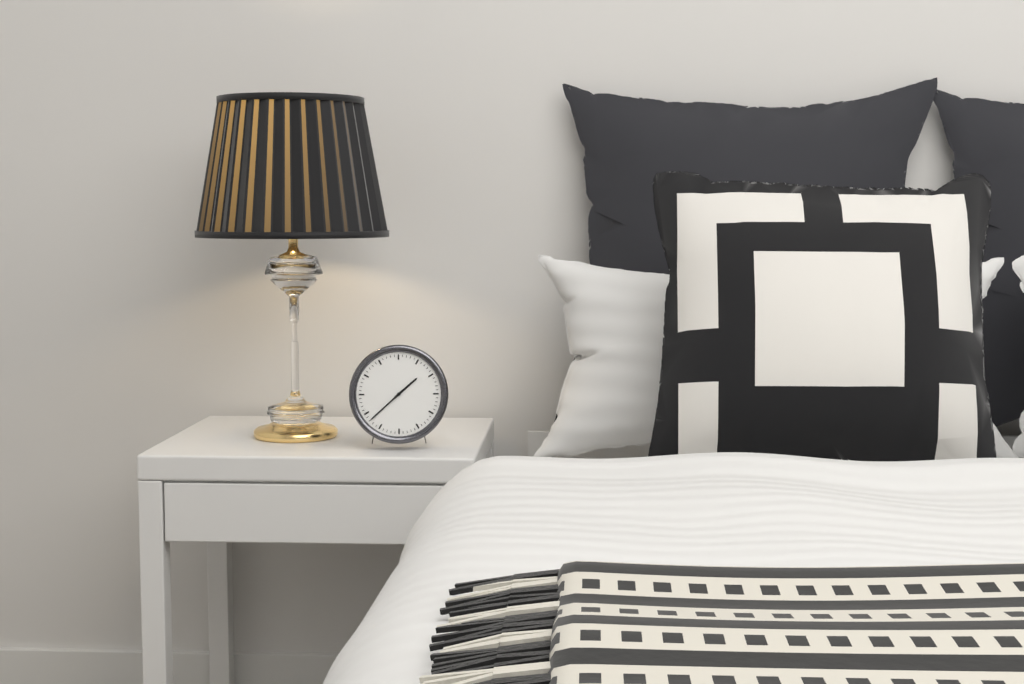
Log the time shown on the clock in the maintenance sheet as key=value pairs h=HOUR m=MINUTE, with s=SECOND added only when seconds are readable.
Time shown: h=1 m=38
